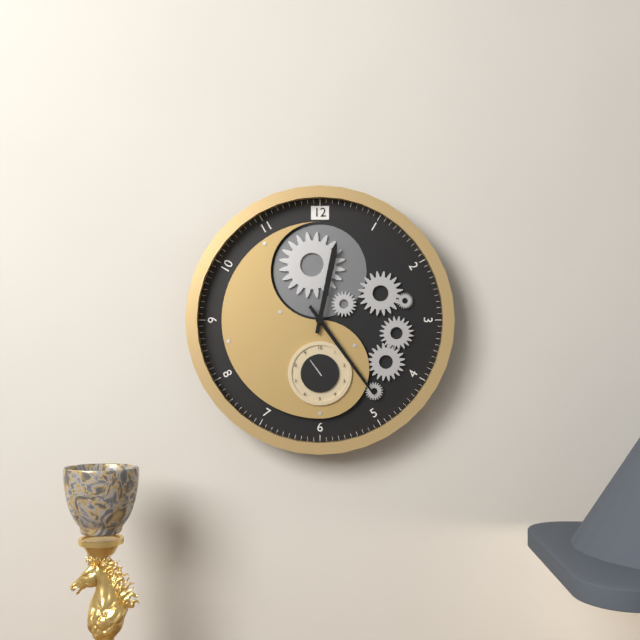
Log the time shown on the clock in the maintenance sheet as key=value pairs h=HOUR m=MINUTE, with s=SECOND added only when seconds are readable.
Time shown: h=12 m=24
